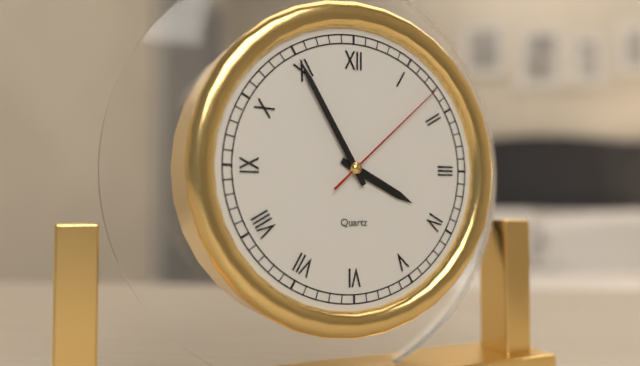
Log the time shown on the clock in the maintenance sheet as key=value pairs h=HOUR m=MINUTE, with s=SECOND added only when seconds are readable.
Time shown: h=3 m=55 s=8
